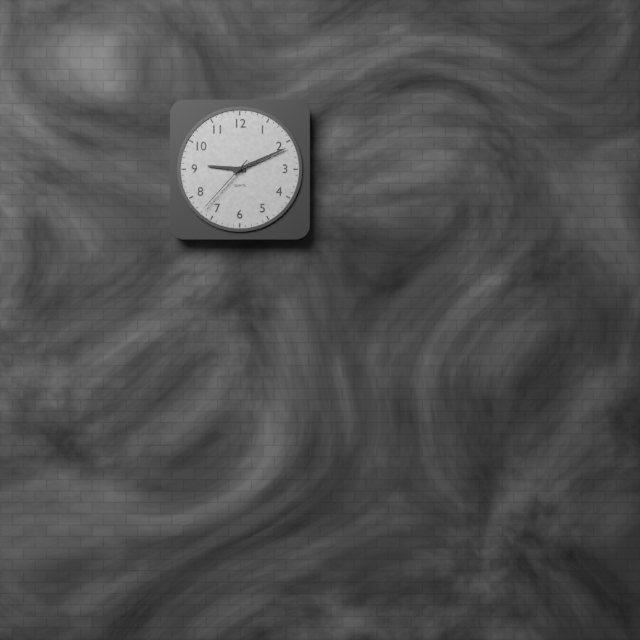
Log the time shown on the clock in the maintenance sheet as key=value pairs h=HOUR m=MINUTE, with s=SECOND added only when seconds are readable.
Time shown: h=9 m=11 s=37
